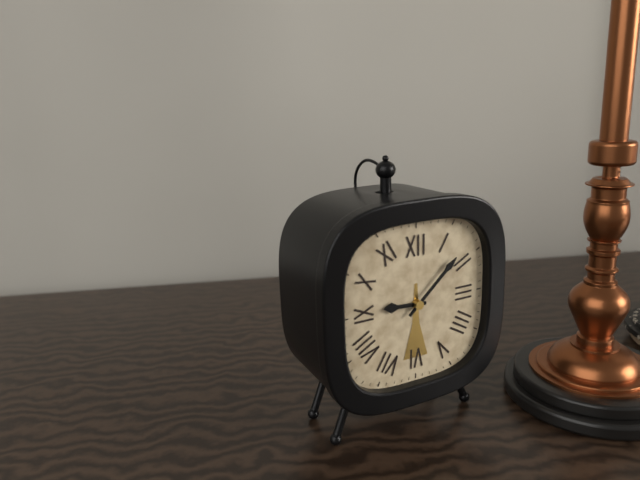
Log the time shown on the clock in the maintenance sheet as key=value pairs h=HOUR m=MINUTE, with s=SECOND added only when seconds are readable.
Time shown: h=9 m=8
